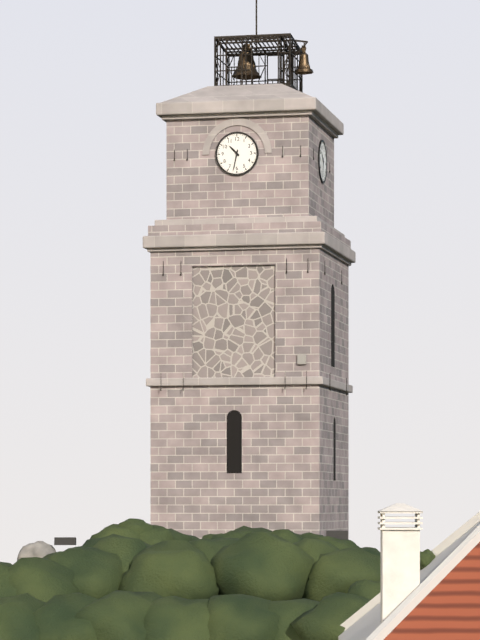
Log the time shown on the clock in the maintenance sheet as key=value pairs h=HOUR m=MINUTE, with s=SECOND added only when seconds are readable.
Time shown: h=10 m=32
